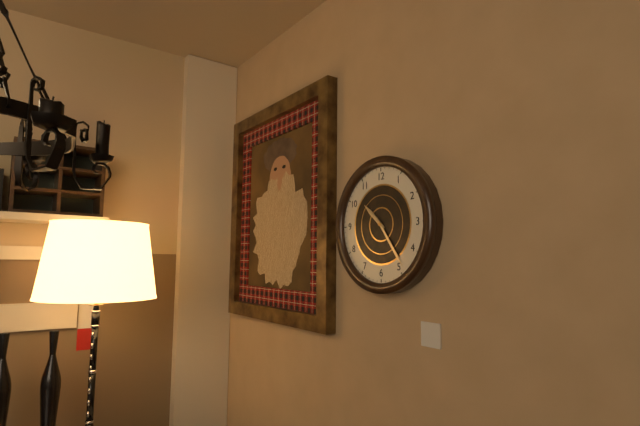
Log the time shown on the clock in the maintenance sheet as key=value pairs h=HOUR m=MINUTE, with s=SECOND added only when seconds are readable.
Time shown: h=10 m=24
